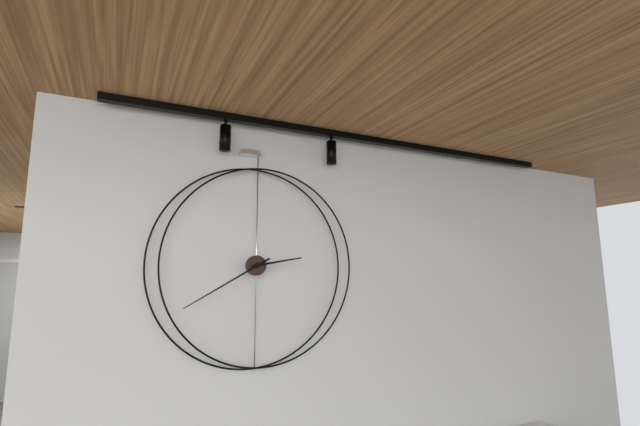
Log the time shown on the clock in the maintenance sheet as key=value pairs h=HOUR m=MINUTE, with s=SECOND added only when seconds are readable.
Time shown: h=2 m=40
